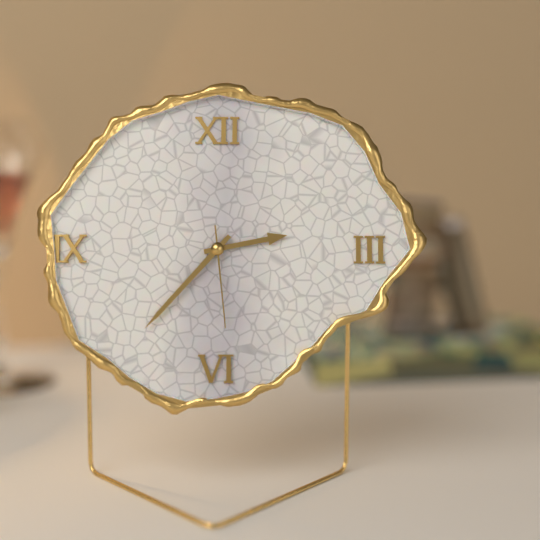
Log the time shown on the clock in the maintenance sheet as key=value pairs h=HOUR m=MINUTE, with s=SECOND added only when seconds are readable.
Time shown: h=2 m=37 s=29
